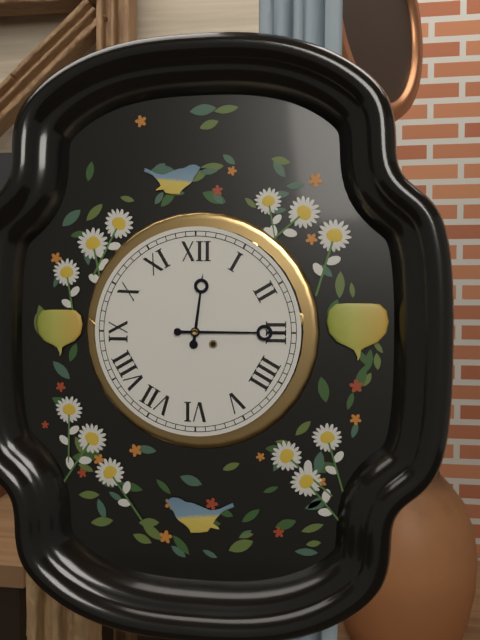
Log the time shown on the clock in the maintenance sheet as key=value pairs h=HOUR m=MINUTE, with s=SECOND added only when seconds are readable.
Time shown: h=12 m=15
